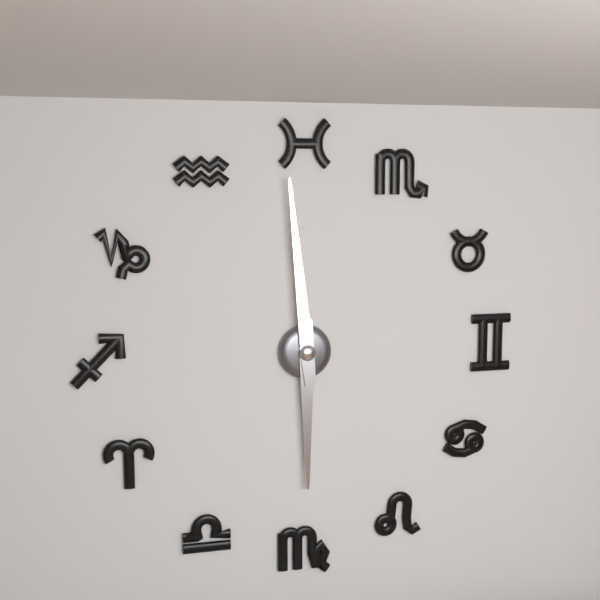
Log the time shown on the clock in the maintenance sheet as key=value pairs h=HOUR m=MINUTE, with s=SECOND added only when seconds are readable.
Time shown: h=5 m=59
